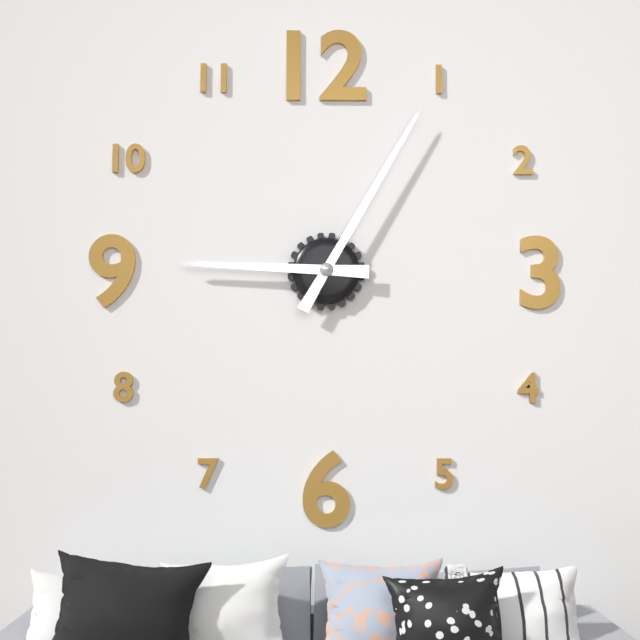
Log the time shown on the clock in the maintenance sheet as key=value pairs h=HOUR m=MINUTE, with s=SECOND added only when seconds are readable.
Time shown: h=9 m=5
